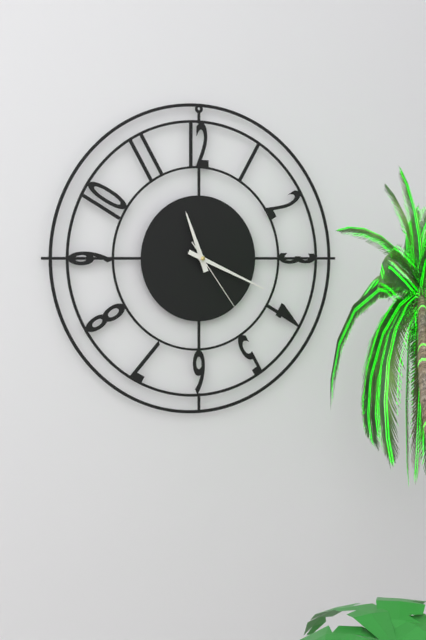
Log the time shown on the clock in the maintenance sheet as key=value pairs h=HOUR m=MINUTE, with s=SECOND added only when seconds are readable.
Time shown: h=11 m=19 s=24
